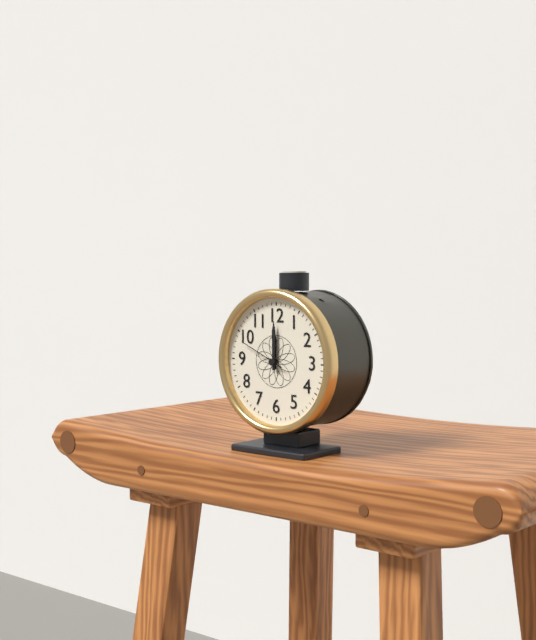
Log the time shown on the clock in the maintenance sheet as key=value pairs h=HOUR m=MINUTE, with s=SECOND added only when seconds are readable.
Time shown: h=12 m=0
